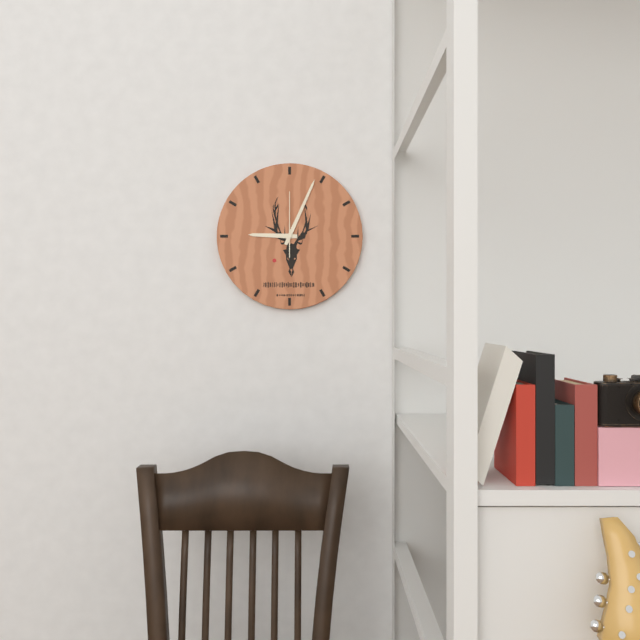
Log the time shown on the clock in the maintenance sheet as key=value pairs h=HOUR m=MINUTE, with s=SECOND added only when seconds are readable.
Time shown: h=9 m=4 s=0
